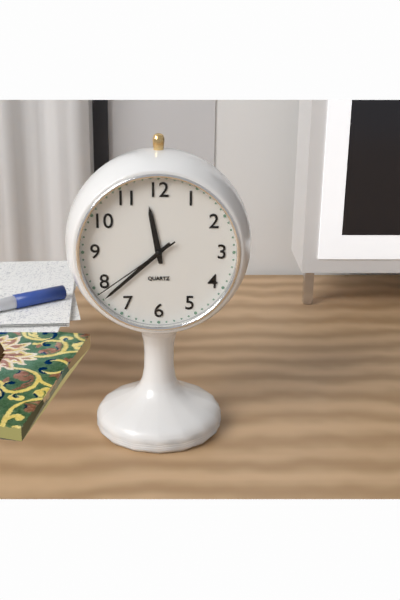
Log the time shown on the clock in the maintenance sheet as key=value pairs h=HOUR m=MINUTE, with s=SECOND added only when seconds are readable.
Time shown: h=11 m=38 s=39
